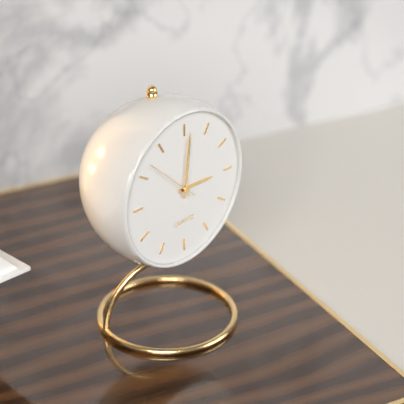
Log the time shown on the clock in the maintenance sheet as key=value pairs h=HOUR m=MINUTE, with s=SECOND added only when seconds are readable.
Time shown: h=3 m=1 s=52
